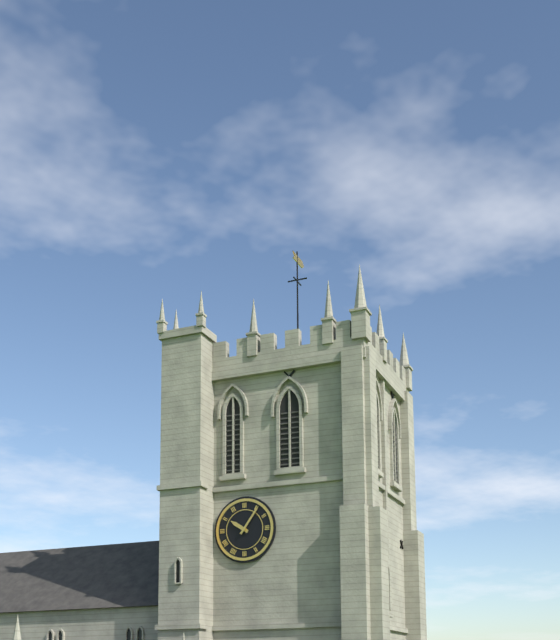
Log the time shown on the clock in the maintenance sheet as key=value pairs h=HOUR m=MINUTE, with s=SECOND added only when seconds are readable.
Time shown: h=10 m=6
